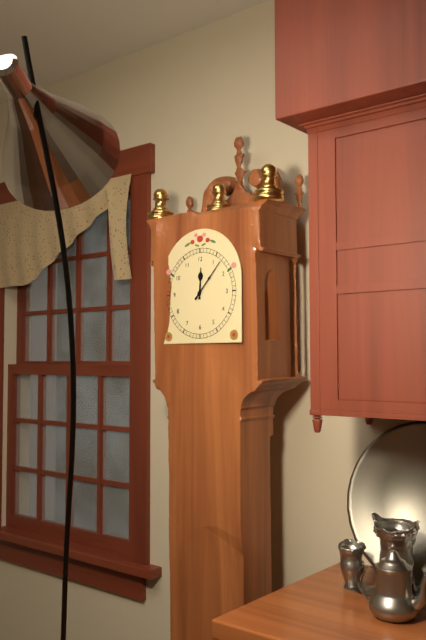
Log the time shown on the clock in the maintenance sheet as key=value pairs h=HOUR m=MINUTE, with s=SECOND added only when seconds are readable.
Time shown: h=12 m=7
